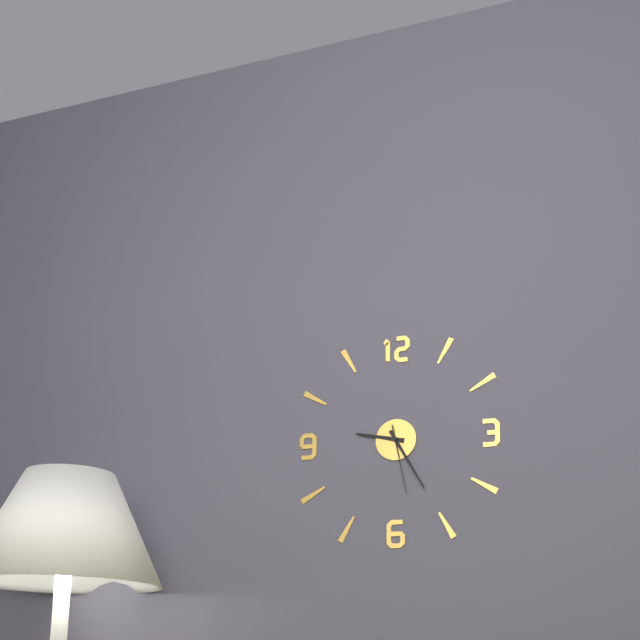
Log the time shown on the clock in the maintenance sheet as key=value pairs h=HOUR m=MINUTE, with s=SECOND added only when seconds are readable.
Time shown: h=9 m=25 s=28
